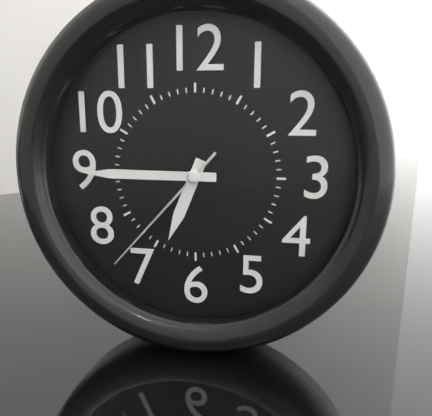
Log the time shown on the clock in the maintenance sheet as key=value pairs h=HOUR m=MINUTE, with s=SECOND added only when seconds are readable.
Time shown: h=6 m=45 s=37
